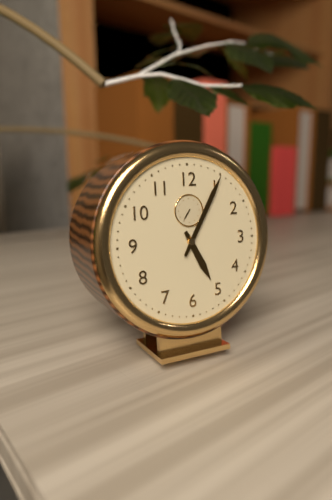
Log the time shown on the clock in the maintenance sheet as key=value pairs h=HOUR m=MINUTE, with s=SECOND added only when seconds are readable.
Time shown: h=5 m=5
